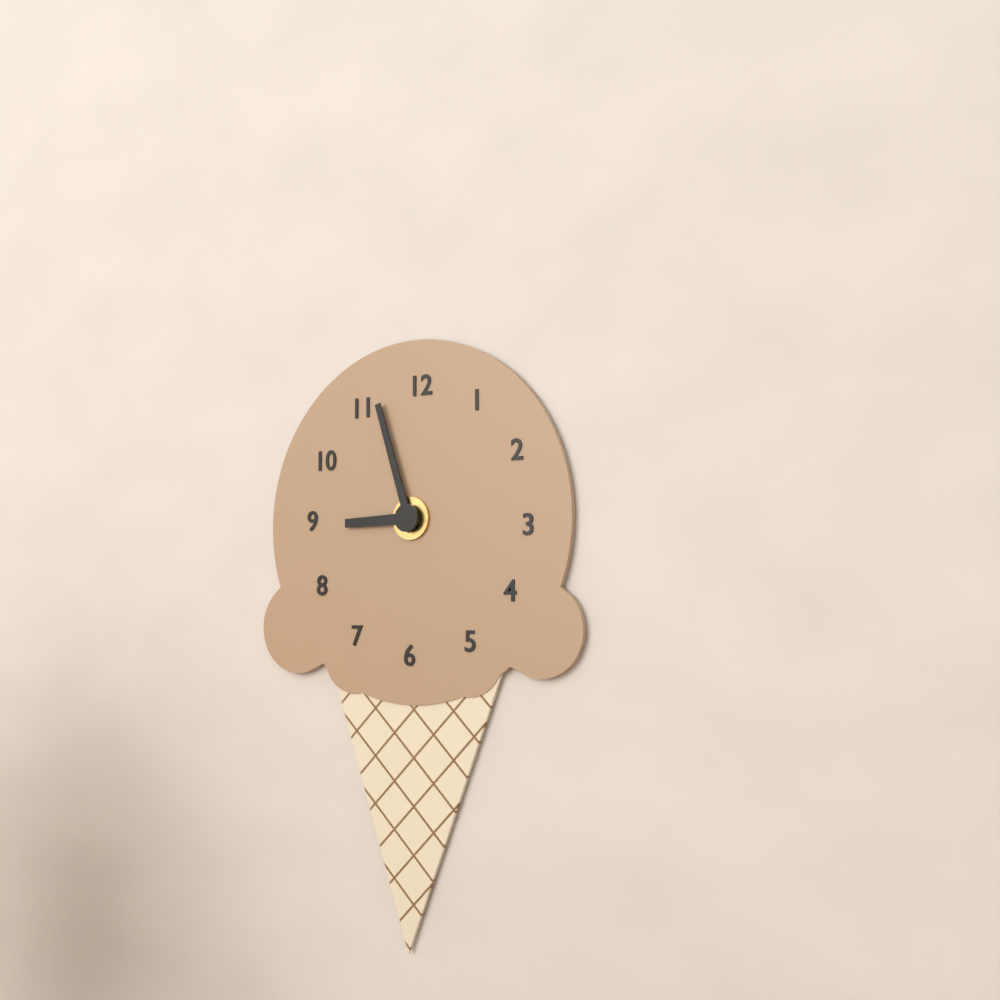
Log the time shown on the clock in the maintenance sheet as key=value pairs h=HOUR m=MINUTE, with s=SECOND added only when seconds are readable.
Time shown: h=8 m=57
